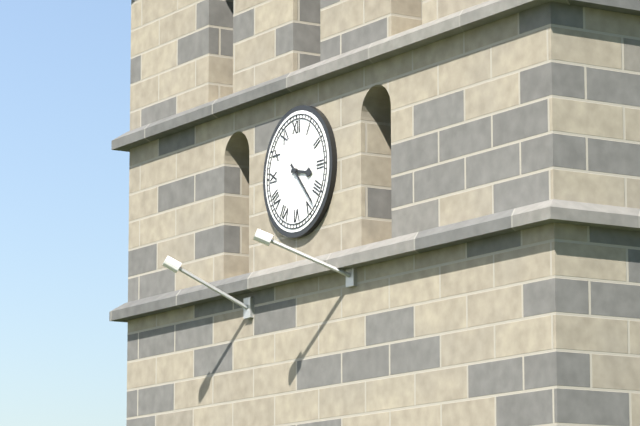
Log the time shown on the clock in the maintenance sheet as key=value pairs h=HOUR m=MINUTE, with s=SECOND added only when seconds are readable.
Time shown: h=3 m=23
